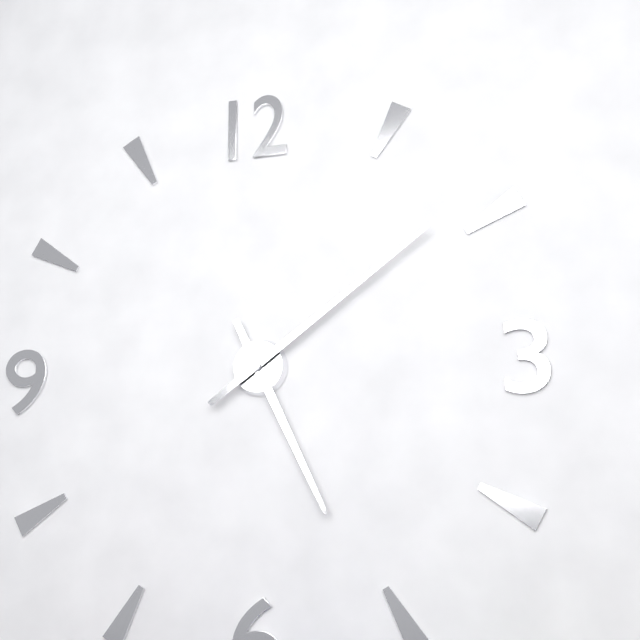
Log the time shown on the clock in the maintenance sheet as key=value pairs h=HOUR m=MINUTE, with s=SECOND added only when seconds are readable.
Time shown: h=5 m=9
